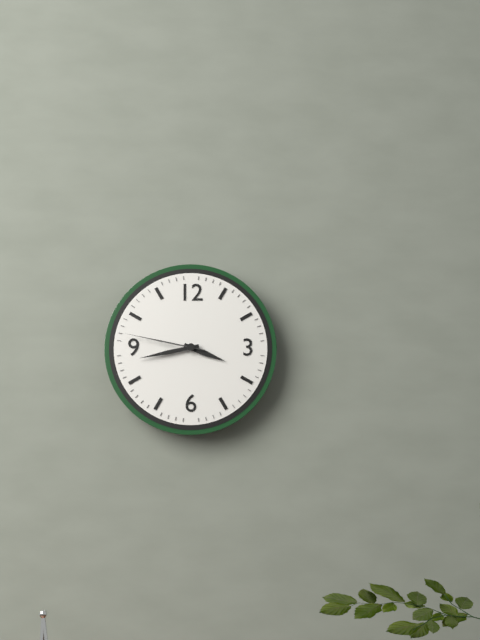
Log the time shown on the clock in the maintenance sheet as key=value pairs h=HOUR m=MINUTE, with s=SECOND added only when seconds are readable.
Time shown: h=3 m=43 s=47
